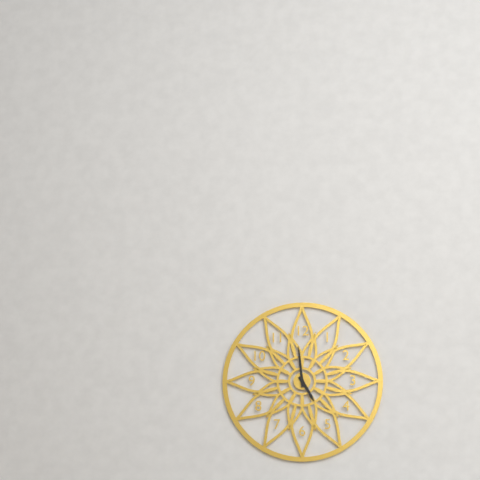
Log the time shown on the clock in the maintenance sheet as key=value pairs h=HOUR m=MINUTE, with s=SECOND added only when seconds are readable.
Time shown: h=4 m=59
